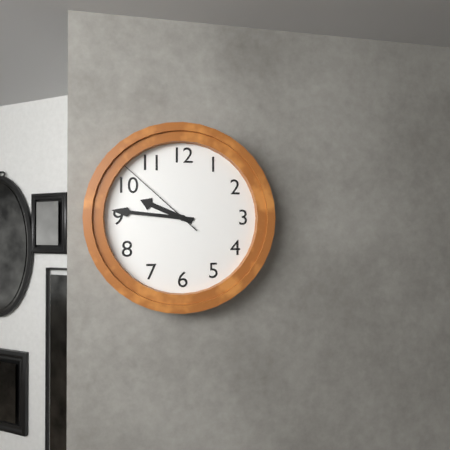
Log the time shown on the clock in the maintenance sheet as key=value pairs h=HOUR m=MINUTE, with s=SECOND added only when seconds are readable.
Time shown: h=9 m=46 s=52
